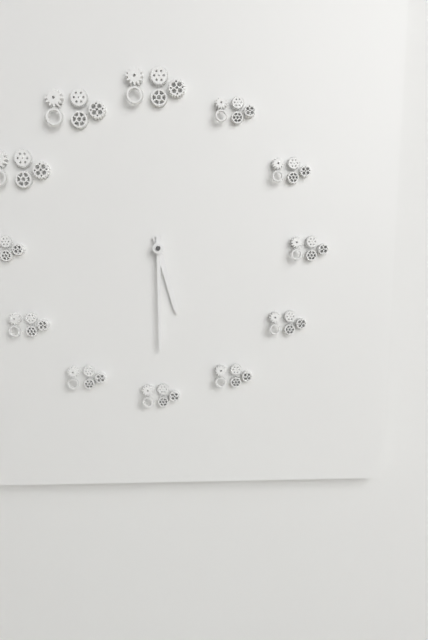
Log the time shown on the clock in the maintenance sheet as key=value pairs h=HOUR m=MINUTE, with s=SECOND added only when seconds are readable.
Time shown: h=5 m=30
